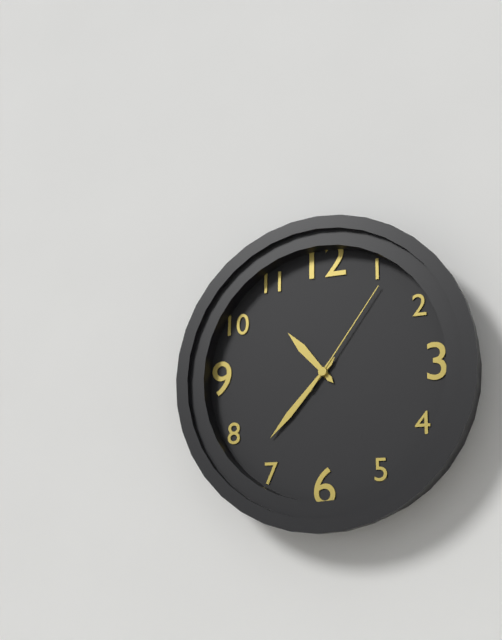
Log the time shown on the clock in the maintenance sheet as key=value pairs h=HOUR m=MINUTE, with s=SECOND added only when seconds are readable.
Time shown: h=10 m=37 s=6
